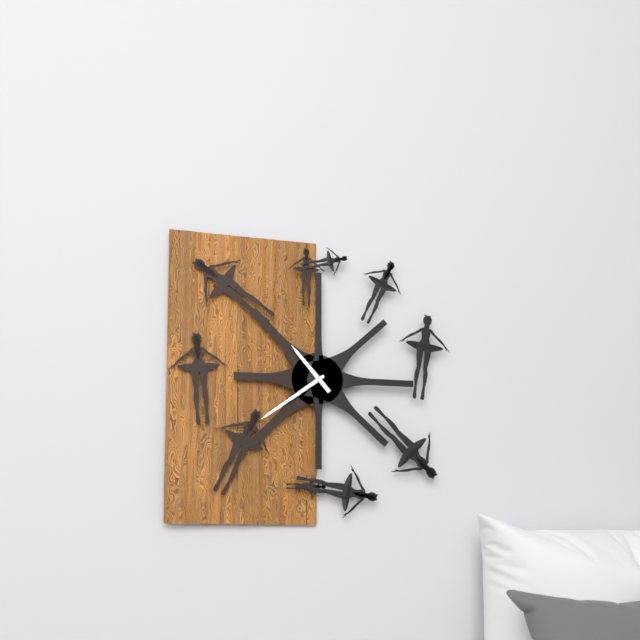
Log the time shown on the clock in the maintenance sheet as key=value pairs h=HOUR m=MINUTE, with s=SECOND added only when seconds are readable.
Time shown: h=10 m=39
